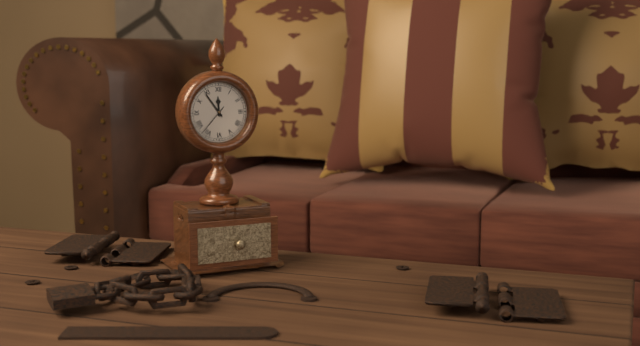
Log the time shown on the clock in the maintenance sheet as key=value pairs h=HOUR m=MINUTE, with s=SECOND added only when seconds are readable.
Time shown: h=11 m=54
